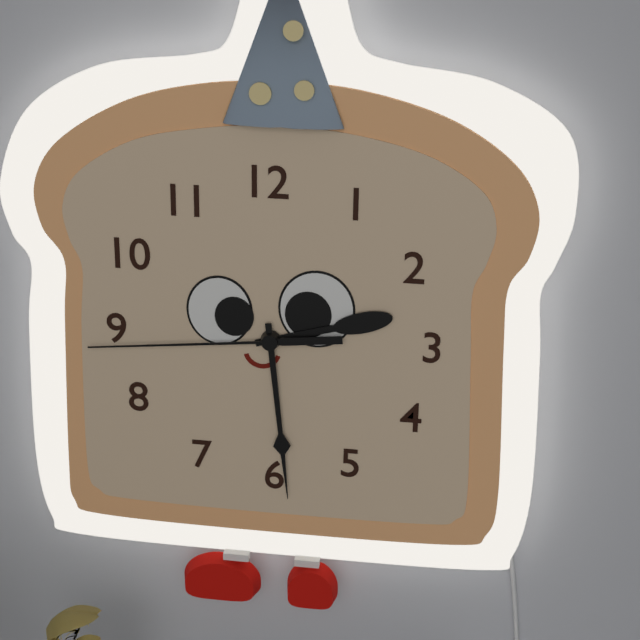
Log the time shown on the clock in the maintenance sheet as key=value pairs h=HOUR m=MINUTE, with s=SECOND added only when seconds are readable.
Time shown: h=2 m=29 s=44
